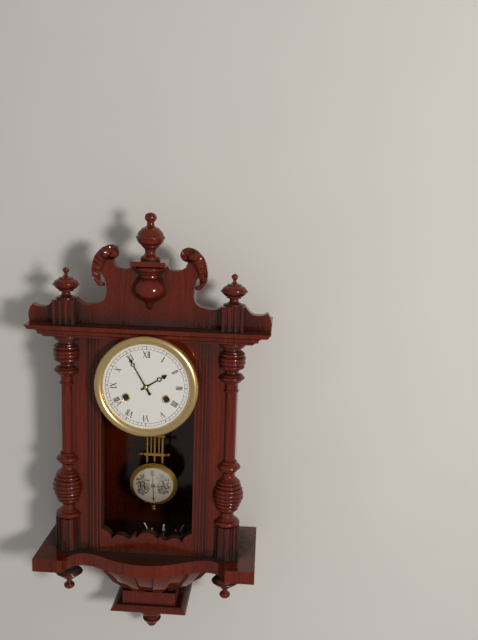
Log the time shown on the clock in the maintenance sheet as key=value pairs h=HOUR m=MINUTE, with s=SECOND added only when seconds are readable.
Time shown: h=1 m=55
